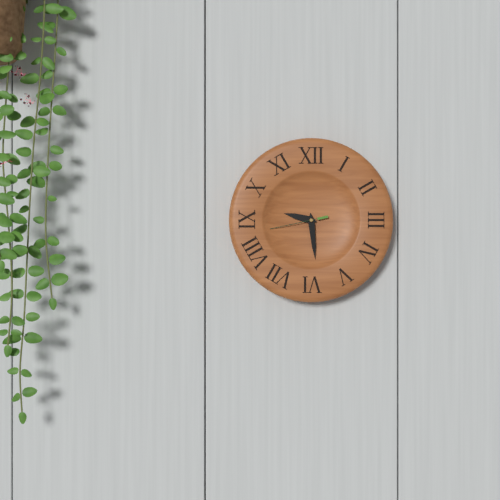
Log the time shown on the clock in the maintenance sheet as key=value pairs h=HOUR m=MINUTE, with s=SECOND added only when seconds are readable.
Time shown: h=9 m=29 s=43
